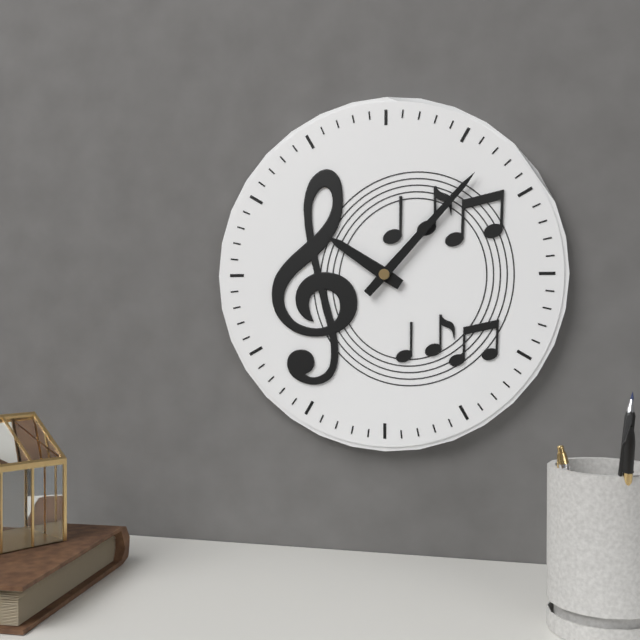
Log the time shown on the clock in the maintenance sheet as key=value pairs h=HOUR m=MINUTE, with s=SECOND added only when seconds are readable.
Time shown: h=10 m=7
